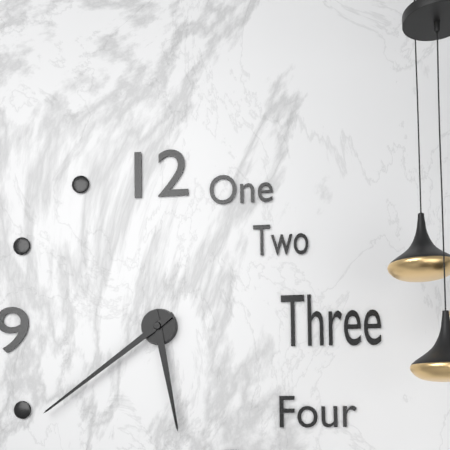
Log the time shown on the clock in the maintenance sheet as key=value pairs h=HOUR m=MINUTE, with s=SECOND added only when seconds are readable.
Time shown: h=5 m=39
